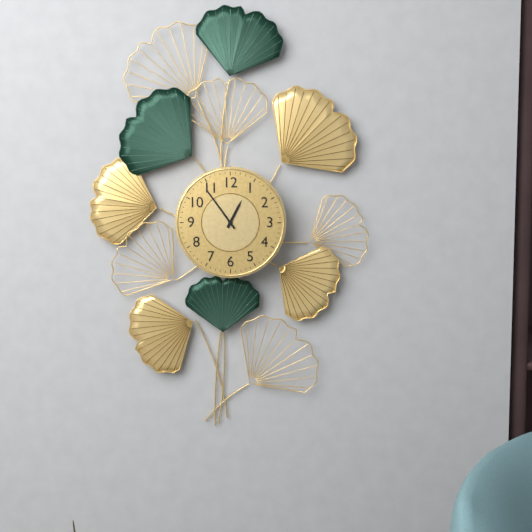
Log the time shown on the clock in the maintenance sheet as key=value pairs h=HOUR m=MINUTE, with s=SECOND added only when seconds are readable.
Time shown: h=12 m=54
